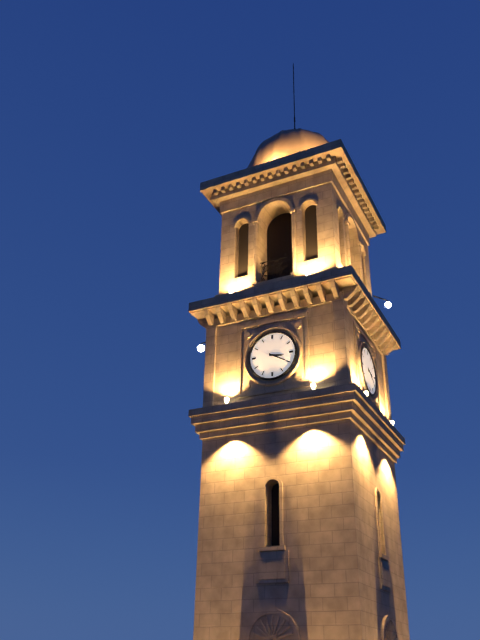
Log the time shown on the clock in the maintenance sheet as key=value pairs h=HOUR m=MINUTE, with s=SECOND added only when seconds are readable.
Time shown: h=3 m=20
